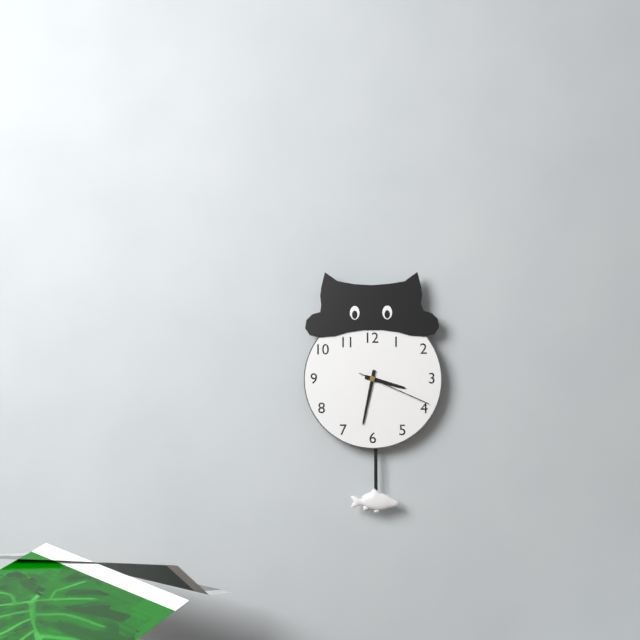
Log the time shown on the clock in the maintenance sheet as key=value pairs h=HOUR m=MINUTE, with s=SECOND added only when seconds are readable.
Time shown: h=3 m=32 s=19
